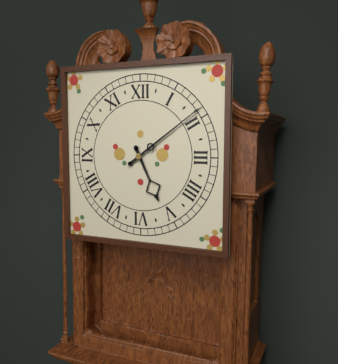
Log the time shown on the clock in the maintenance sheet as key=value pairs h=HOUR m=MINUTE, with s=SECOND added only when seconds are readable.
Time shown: h=5 m=9
